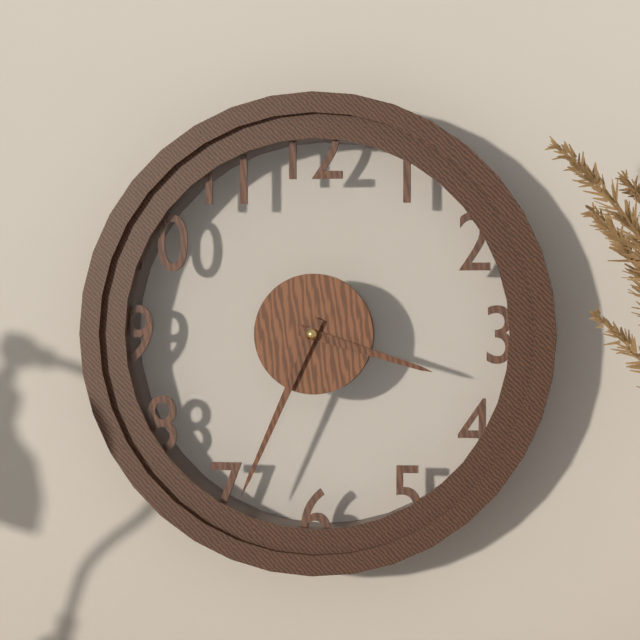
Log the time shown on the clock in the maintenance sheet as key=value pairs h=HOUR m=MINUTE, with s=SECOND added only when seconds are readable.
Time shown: h=3 m=34
